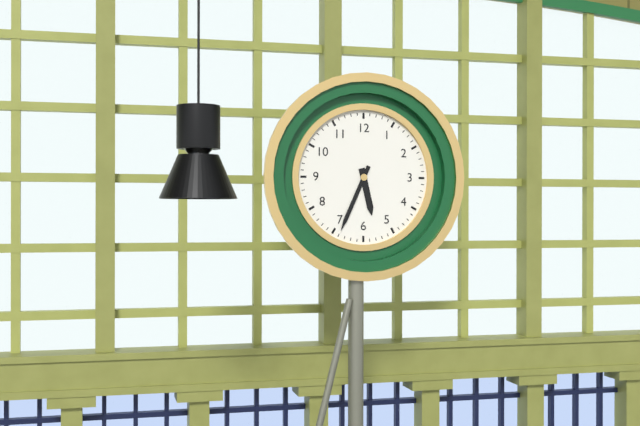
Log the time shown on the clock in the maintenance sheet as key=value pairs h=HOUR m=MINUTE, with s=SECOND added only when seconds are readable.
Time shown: h=5 m=34
